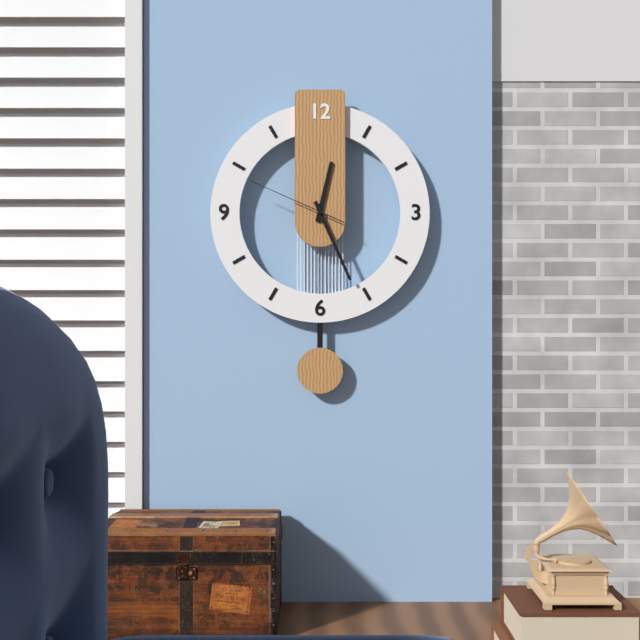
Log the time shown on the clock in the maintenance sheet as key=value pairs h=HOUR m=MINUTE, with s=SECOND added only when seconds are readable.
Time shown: h=12 m=26 s=49
